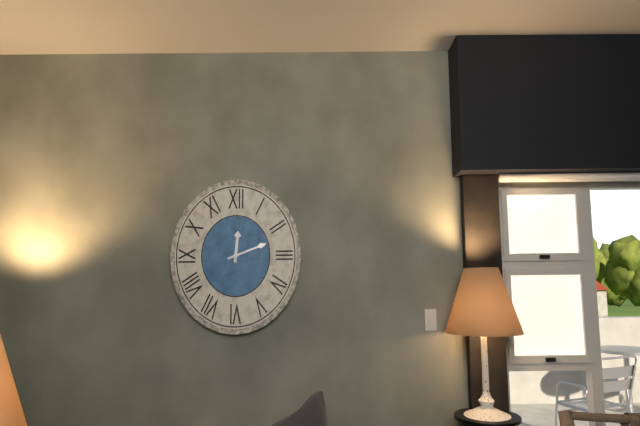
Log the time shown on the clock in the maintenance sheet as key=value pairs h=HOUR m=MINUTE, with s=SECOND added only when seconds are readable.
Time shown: h=12 m=12
